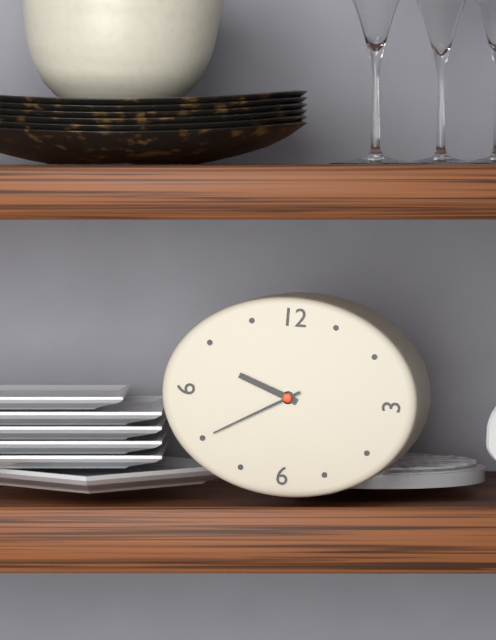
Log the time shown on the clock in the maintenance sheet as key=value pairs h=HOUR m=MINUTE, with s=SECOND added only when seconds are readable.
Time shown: h=9 m=40
